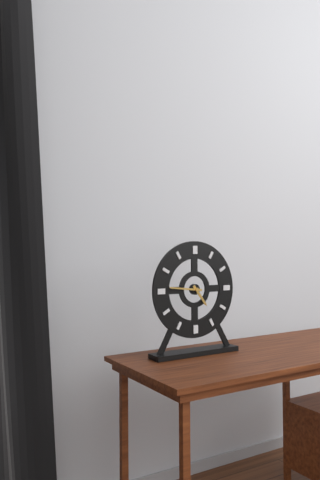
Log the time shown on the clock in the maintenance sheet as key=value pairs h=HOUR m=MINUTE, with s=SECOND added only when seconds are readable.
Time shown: h=4 m=46
